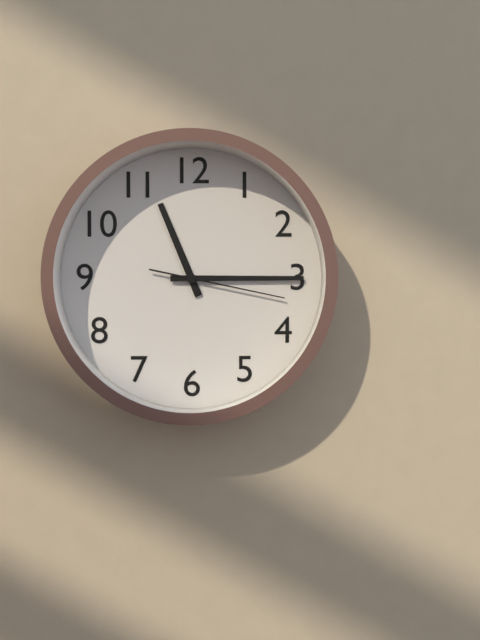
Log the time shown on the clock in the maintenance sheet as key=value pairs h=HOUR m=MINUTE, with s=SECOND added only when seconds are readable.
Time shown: h=11 m=15 s=17
